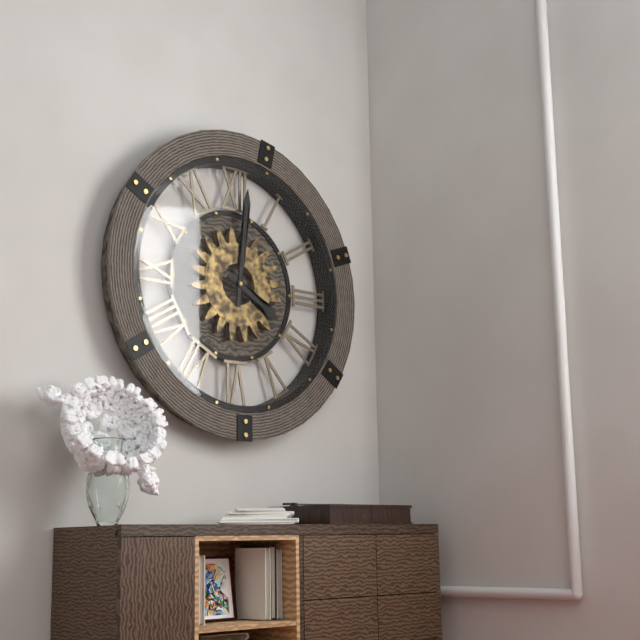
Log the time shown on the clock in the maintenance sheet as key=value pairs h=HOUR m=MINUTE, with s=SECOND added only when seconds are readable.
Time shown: h=4 m=1
